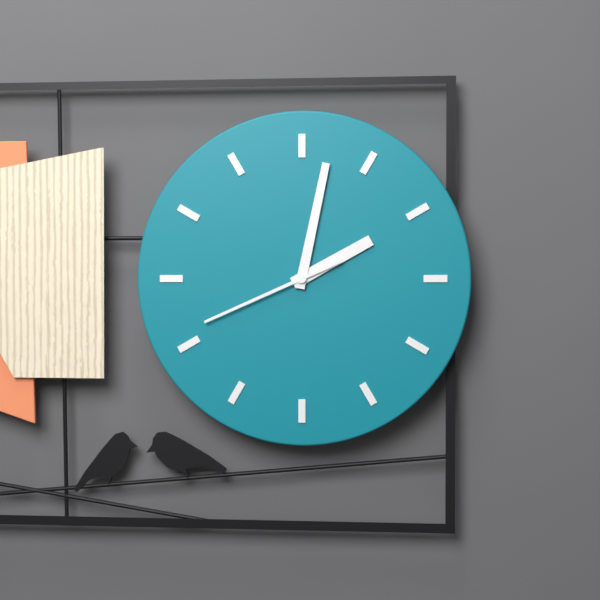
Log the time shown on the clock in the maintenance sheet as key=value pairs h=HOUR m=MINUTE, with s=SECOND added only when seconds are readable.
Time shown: h=2 m=2 s=41
